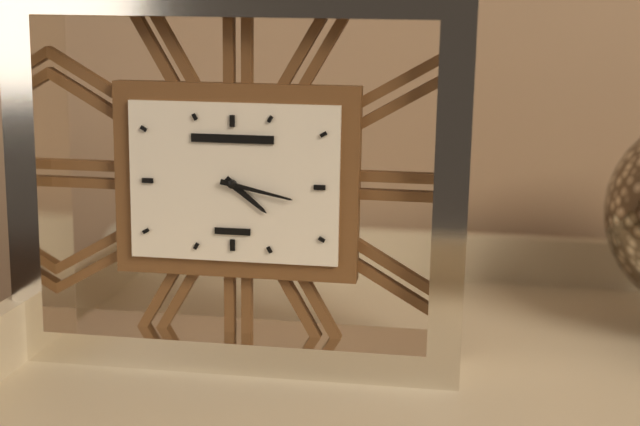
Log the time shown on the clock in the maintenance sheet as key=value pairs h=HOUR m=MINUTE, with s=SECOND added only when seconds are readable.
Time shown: h=4 m=17
